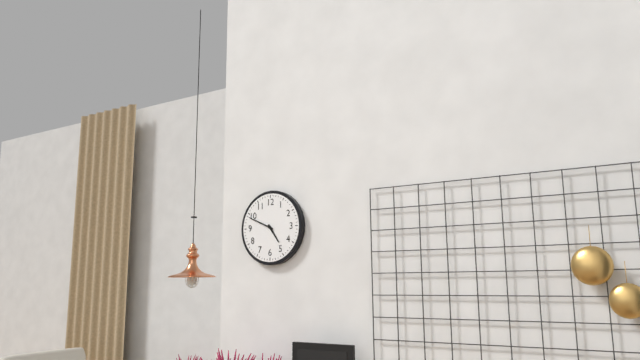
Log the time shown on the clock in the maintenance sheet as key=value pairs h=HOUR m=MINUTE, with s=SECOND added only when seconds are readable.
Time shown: h=4 m=49
